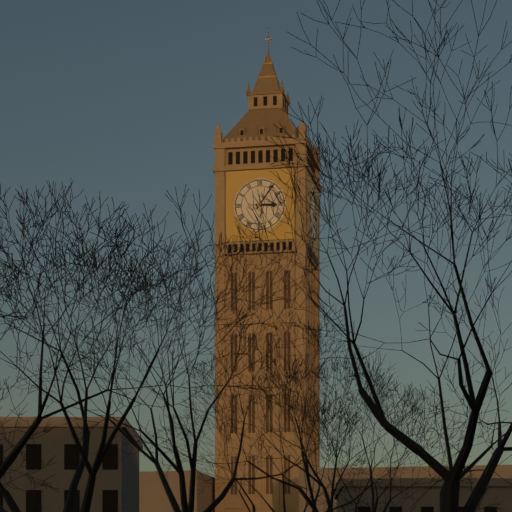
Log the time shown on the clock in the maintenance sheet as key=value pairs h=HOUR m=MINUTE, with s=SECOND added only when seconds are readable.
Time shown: h=3 m=6
